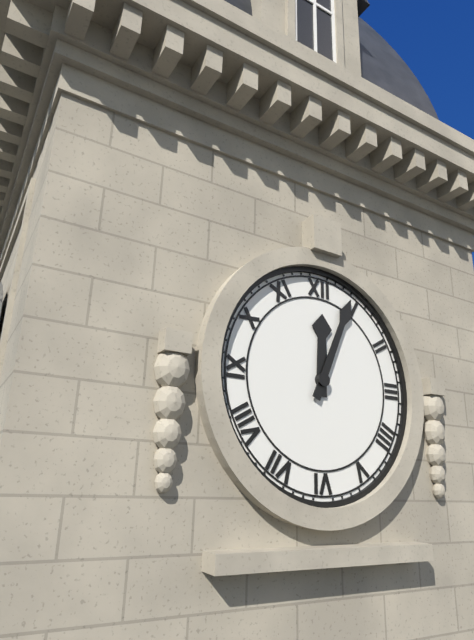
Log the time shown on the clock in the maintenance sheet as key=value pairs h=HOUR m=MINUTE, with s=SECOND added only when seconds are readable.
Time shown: h=12 m=4
